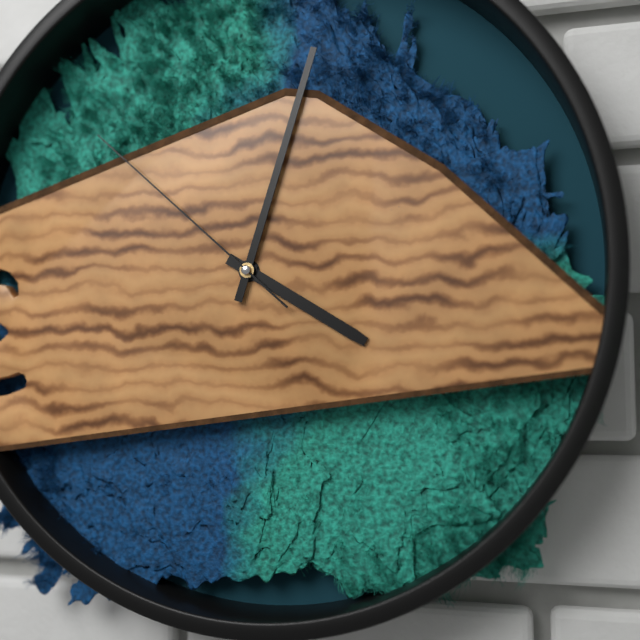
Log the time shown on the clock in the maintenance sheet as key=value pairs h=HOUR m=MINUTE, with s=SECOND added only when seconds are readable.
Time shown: h=4 m=3 s=52
